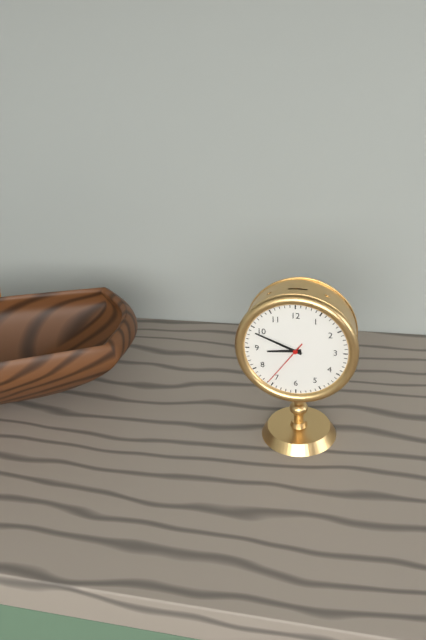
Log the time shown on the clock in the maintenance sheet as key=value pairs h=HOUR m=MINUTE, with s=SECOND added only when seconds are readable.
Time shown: h=8 m=49 s=36
